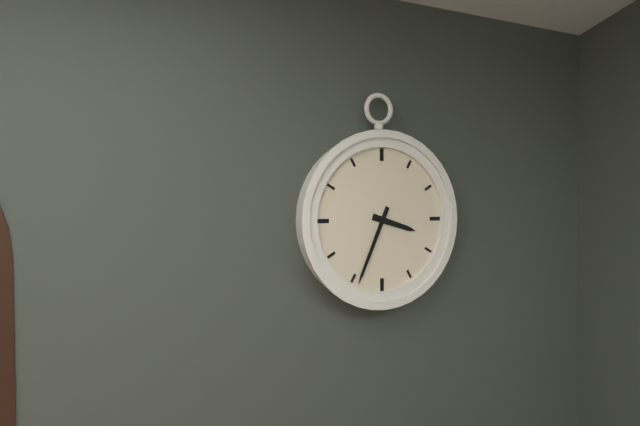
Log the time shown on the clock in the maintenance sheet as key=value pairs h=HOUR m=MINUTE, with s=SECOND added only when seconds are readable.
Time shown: h=3 m=34
